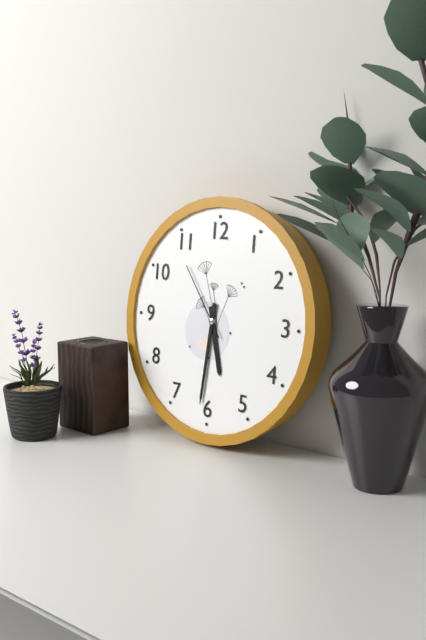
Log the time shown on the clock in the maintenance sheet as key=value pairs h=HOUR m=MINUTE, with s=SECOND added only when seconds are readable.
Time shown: h=5 m=31 s=54
